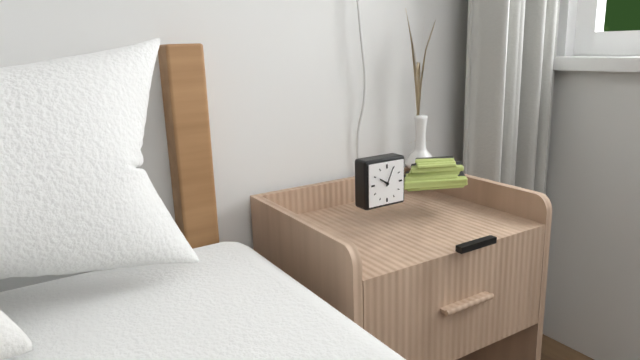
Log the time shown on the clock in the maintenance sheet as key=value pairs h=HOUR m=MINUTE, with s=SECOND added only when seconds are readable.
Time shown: h=10 m=4
